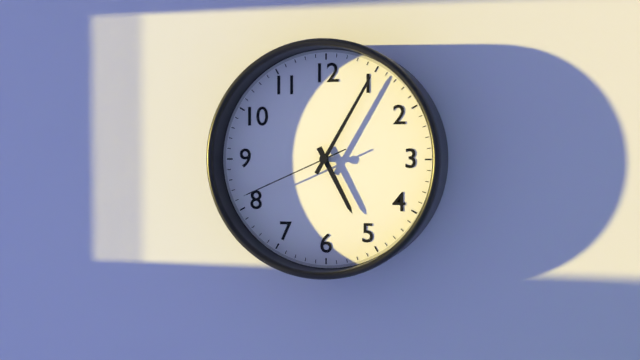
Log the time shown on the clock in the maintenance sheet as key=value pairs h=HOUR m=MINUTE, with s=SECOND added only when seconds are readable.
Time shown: h=5 m=5 s=41
